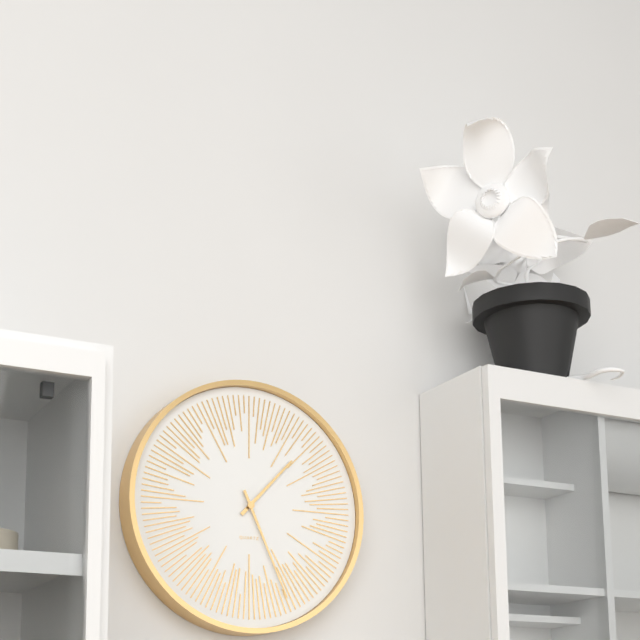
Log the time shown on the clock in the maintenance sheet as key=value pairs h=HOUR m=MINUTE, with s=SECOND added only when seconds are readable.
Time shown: h=1 m=26
